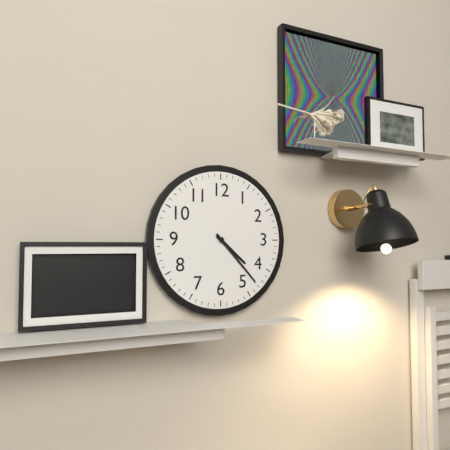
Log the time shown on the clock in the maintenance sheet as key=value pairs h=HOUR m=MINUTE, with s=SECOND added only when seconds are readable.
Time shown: h=4 m=23
